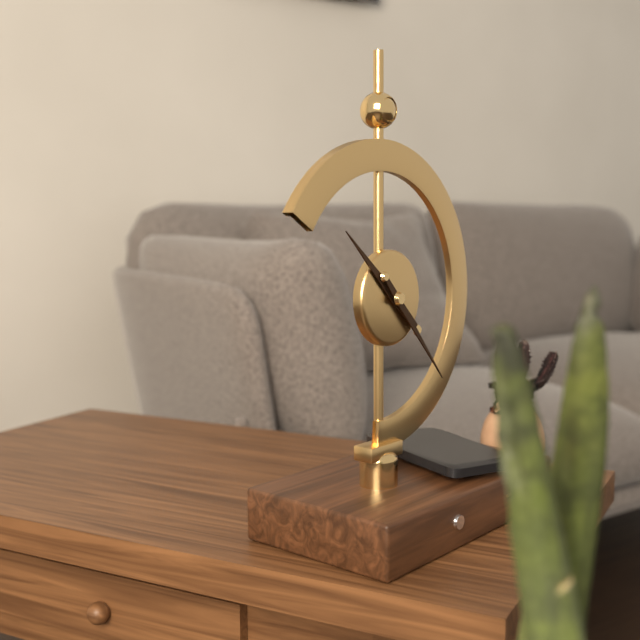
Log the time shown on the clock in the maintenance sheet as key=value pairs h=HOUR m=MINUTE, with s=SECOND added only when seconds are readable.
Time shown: h=10 m=23
